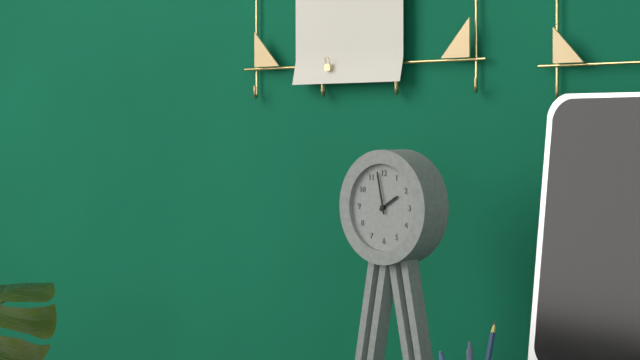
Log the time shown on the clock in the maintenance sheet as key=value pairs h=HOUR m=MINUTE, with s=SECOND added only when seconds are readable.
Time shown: h=1 m=58
